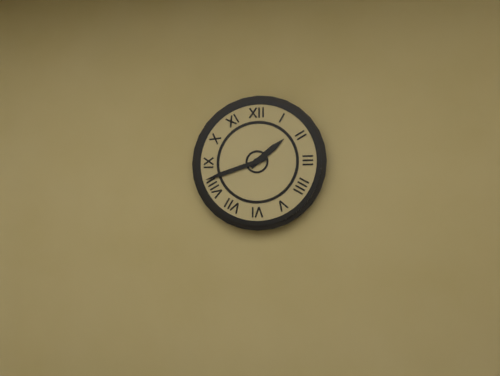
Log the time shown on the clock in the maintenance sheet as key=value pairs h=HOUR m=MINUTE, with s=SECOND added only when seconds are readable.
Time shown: h=1 m=42
